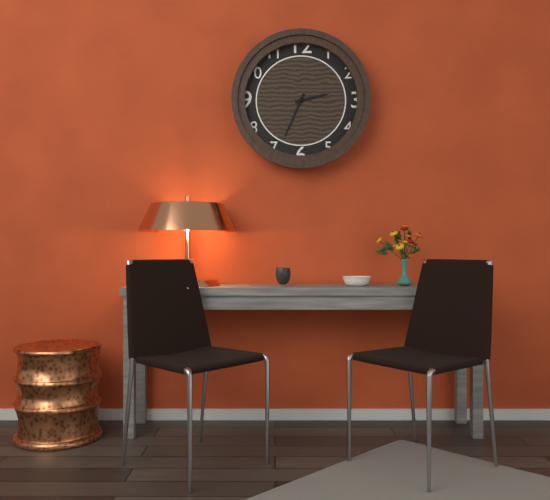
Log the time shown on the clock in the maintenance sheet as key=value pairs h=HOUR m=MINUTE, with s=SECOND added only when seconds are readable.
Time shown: h=2 m=34
